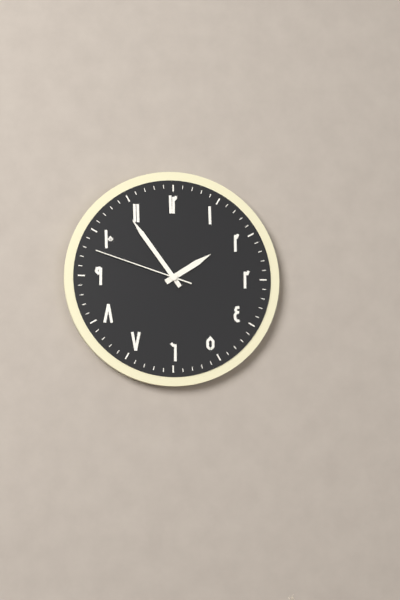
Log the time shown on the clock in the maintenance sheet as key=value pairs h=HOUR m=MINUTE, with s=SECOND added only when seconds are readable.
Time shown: h=1 m=54 s=48
